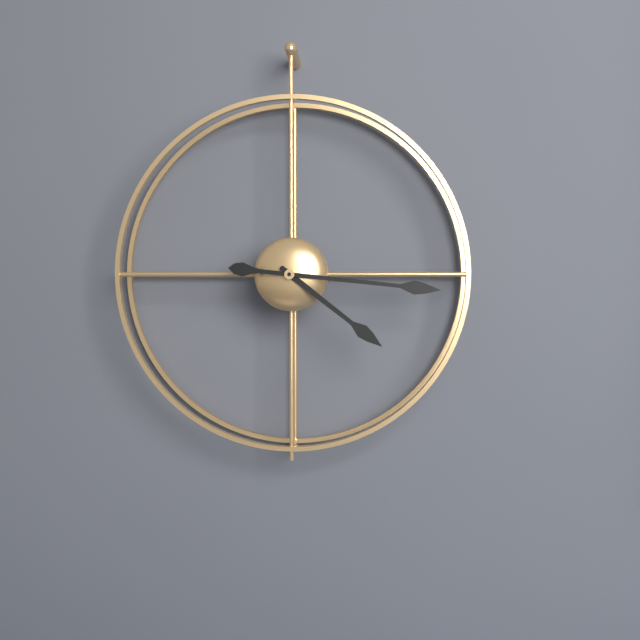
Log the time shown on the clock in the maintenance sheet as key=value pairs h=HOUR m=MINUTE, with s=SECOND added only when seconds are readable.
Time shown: h=4 m=16
